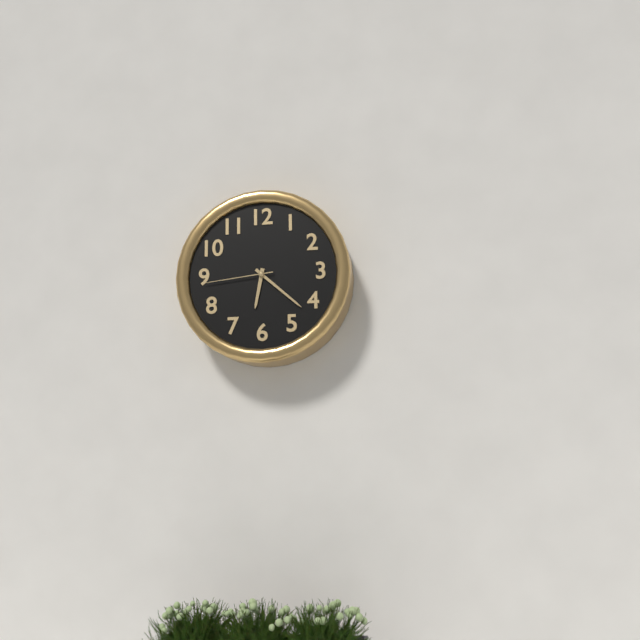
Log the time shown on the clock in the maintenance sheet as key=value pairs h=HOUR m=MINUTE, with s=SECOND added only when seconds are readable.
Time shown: h=6 m=22 s=44
